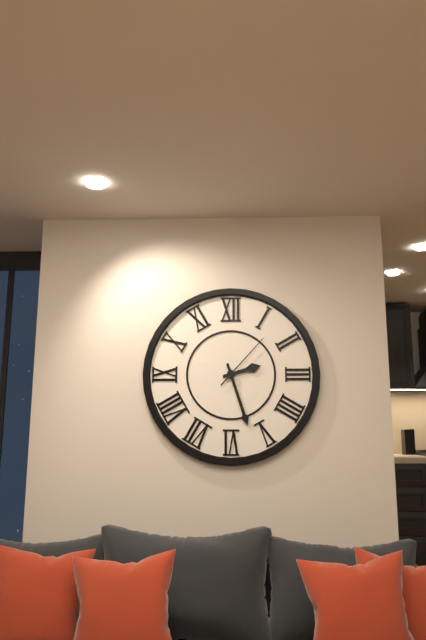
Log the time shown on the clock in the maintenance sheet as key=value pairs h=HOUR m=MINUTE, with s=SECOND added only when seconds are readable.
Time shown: h=2 m=27 s=7
